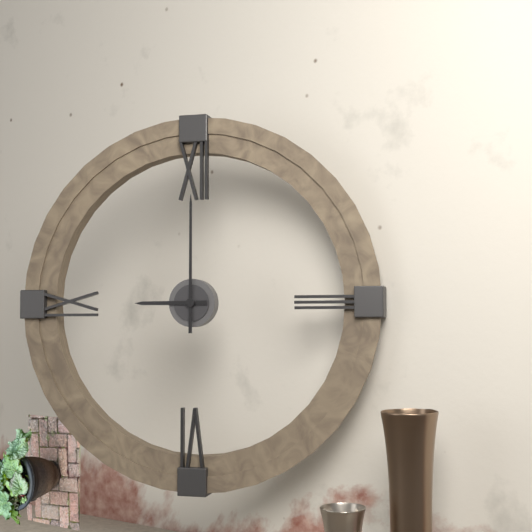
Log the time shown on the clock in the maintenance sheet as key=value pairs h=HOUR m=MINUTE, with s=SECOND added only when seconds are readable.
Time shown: h=9 m=0
